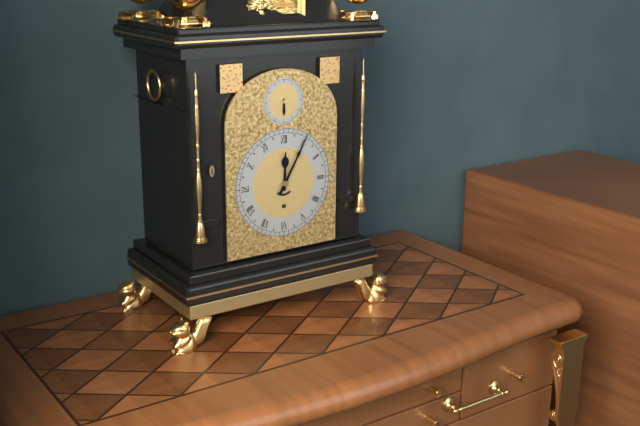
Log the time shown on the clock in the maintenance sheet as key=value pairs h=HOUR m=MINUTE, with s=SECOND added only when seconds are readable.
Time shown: h=12 m=5
